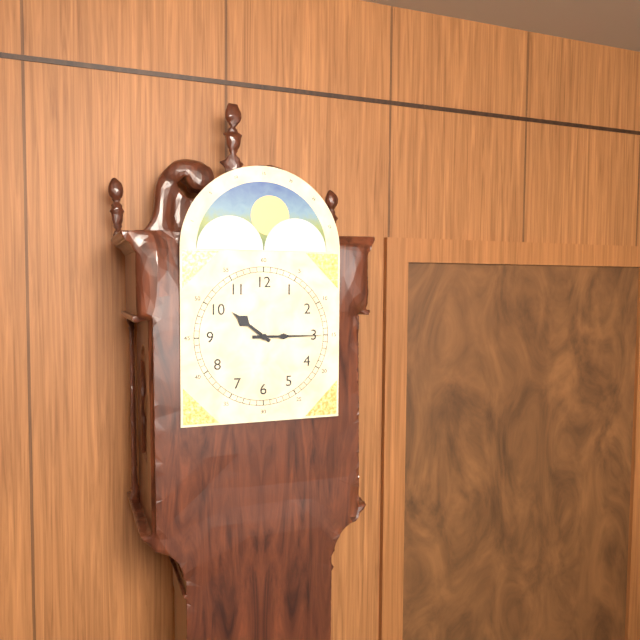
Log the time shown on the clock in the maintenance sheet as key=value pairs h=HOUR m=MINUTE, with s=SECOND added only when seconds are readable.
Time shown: h=10 m=15
